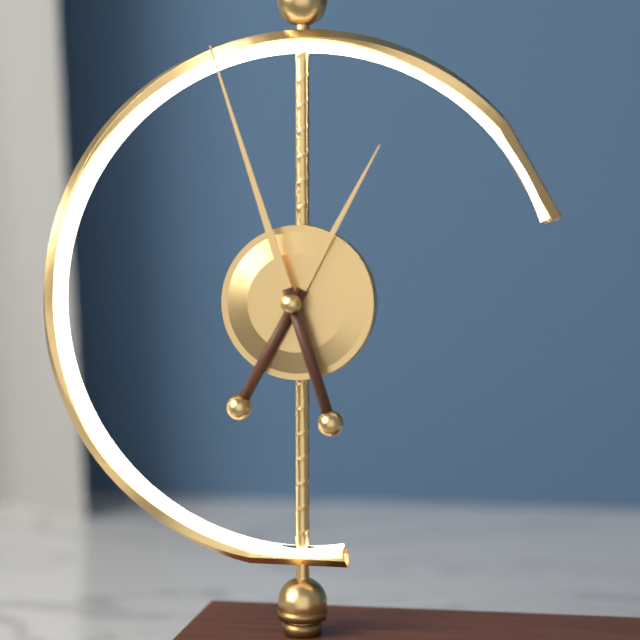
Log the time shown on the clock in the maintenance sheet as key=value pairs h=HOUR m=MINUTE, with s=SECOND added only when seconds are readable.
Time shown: h=12 m=57
